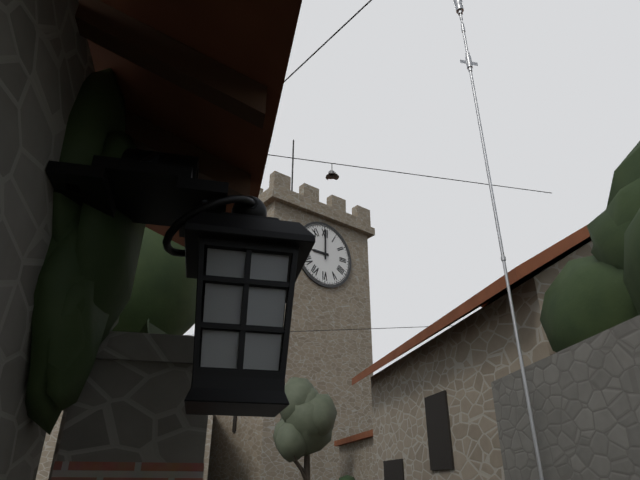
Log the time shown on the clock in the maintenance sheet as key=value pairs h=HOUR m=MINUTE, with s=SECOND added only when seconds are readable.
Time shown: h=9 m=0
